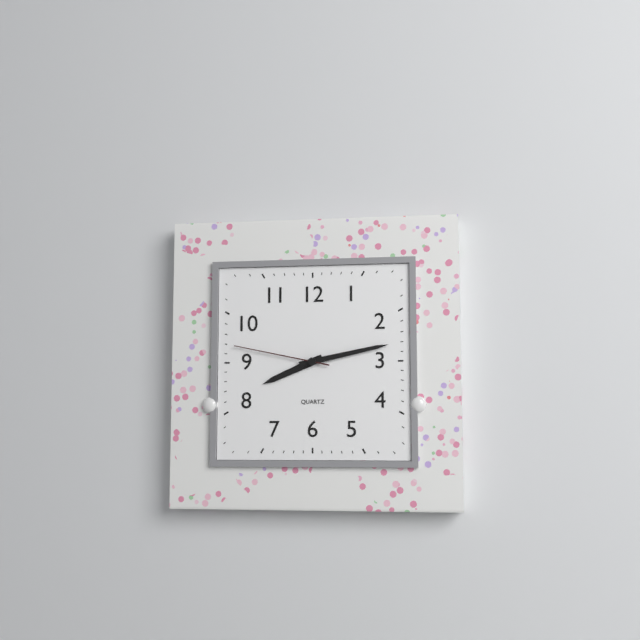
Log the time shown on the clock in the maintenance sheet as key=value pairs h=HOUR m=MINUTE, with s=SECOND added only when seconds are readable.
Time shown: h=8 m=13 s=47
